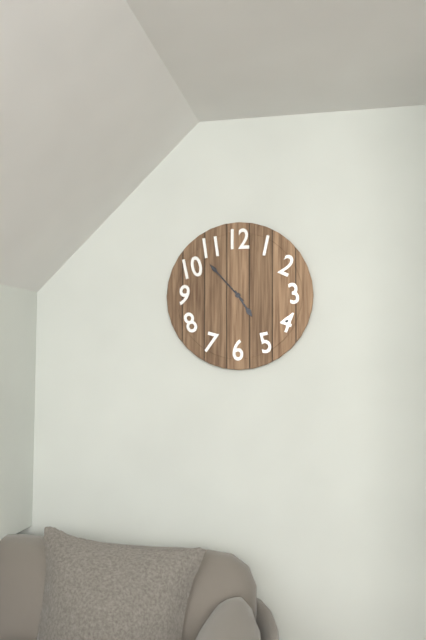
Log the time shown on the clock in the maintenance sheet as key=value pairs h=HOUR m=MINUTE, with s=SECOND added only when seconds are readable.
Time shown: h=4 m=53
